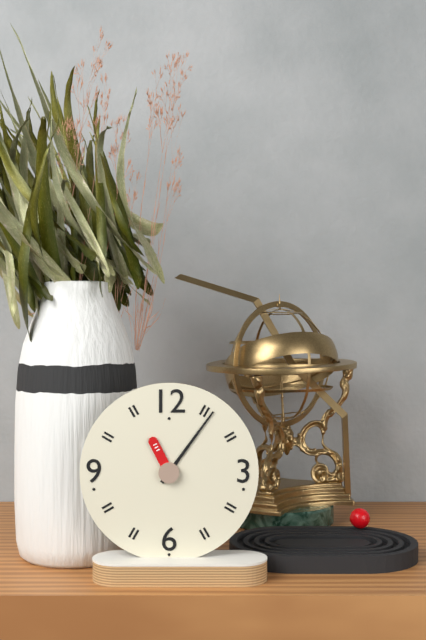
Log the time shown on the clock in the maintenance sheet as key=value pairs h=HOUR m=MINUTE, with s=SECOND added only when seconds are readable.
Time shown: h=11 m=6
